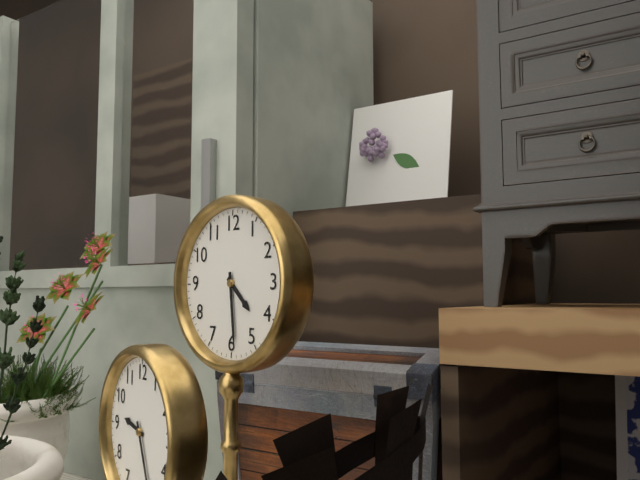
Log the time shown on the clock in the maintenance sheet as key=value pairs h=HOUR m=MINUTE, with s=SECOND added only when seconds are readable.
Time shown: h=4 m=29
